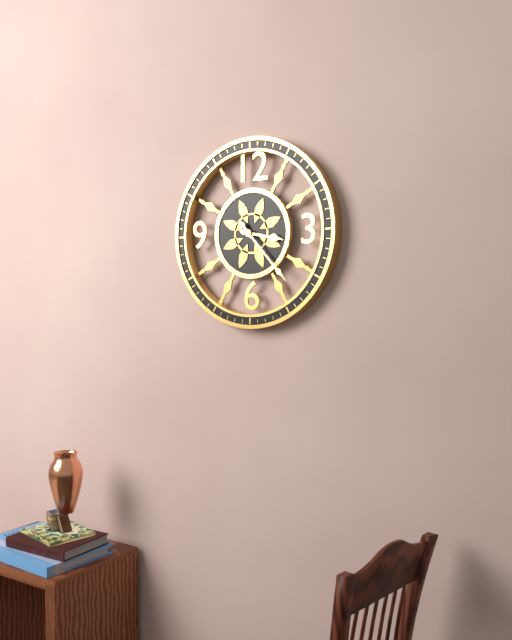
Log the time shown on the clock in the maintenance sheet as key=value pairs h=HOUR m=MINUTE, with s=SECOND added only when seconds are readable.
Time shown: h=3 m=23
